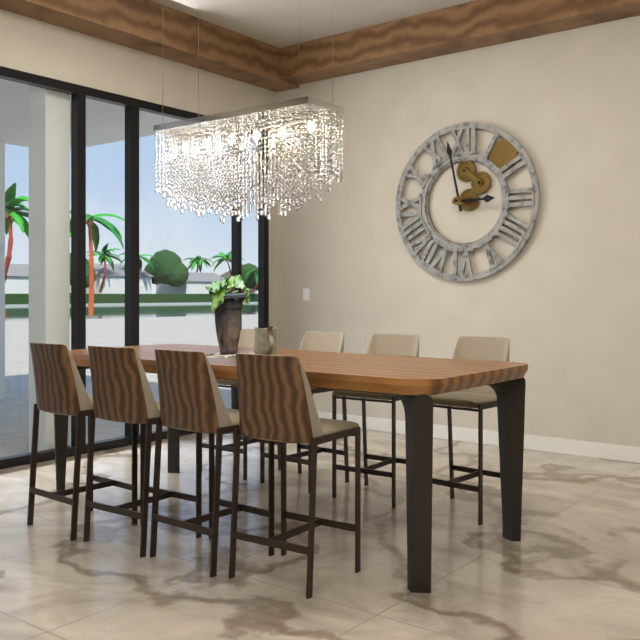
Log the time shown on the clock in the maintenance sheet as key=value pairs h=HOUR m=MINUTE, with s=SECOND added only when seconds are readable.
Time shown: h=2 m=58
